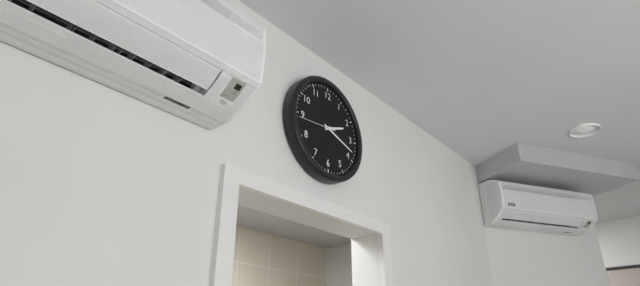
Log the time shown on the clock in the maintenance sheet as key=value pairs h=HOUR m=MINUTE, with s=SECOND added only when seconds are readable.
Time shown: h=2 m=18
